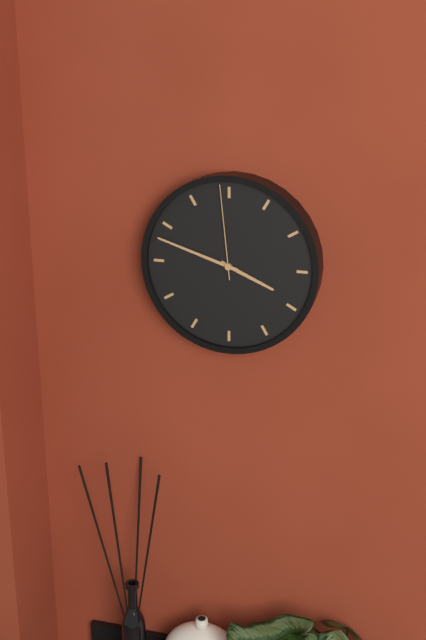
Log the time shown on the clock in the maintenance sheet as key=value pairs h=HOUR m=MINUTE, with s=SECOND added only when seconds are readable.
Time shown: h=3 m=48 s=59
